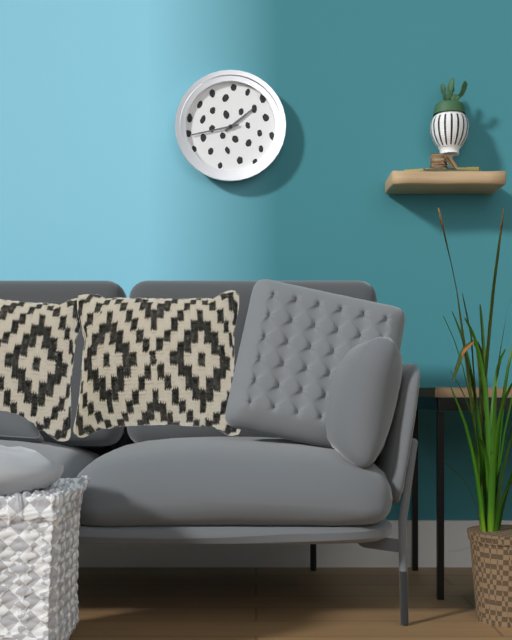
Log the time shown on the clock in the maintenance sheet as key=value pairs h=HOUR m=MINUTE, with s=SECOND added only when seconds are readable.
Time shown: h=1 m=43
